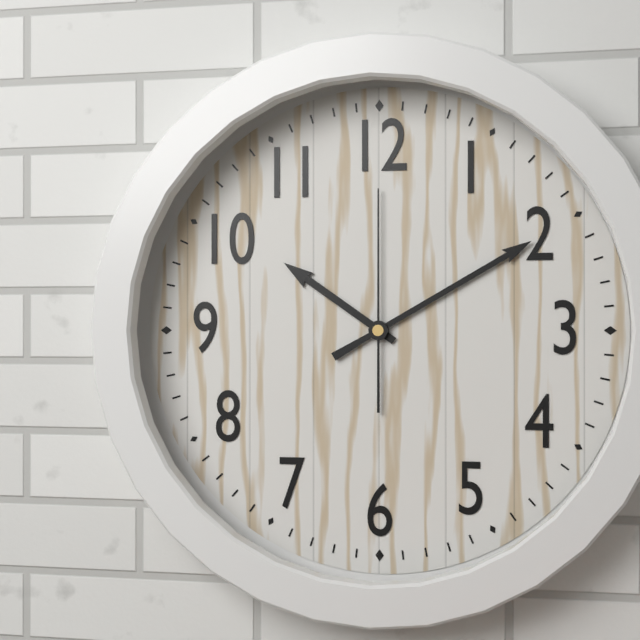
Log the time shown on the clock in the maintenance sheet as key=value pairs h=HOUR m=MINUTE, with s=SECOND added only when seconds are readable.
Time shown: h=10 m=10 s=0
